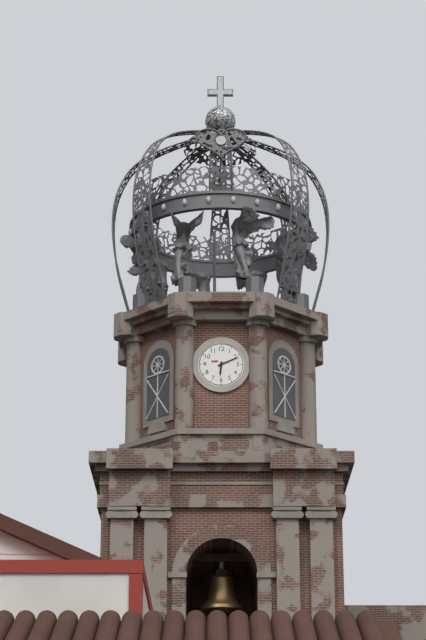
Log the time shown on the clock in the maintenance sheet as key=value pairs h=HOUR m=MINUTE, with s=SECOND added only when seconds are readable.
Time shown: h=6 m=11
